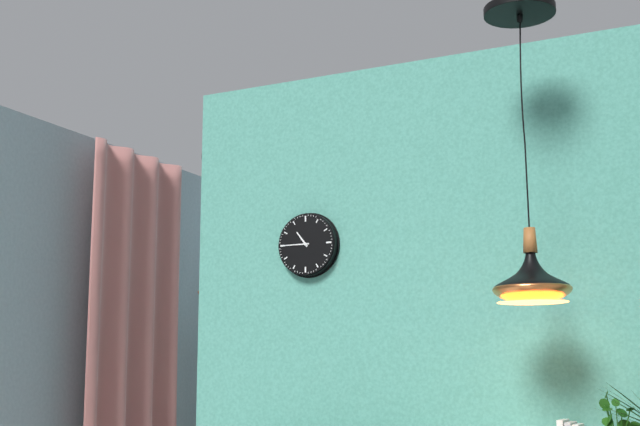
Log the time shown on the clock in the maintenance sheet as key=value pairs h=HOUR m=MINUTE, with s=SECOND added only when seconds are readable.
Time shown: h=10 m=45
